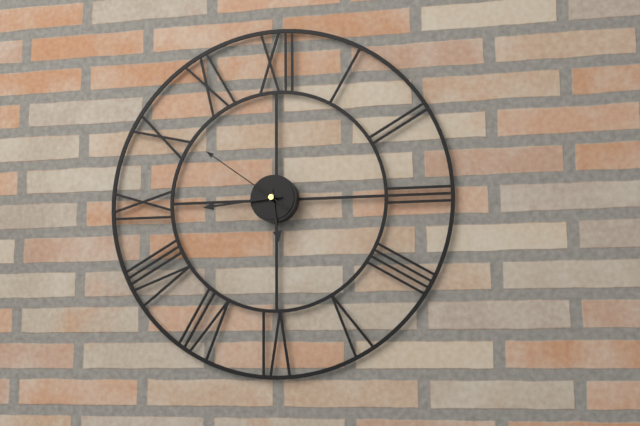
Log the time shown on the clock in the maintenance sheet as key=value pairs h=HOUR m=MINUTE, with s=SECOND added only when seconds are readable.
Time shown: h=5 m=44 s=51
